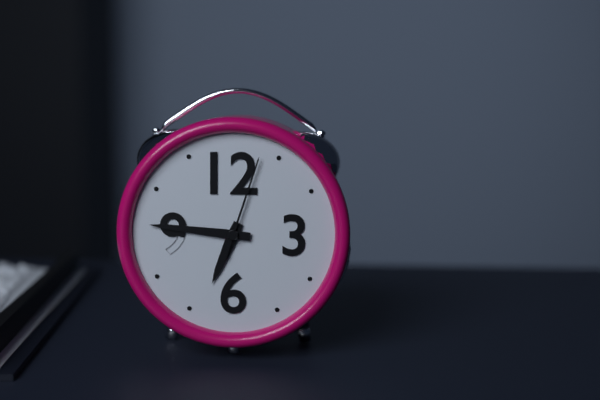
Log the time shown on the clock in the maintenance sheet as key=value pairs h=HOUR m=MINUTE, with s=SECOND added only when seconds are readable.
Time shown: h=6 m=46 s=3
